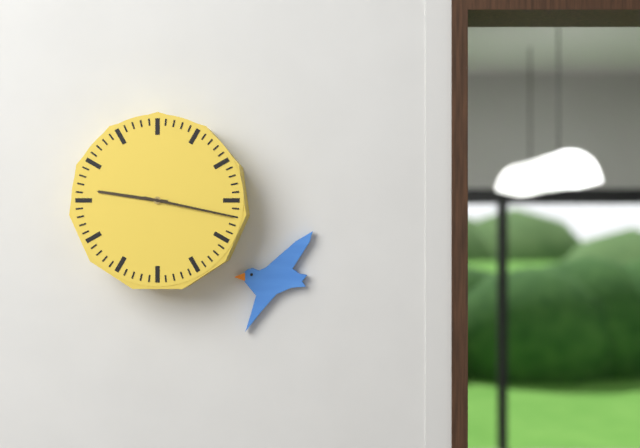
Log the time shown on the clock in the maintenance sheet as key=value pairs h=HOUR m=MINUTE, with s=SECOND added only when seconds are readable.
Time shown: h=9 m=17
